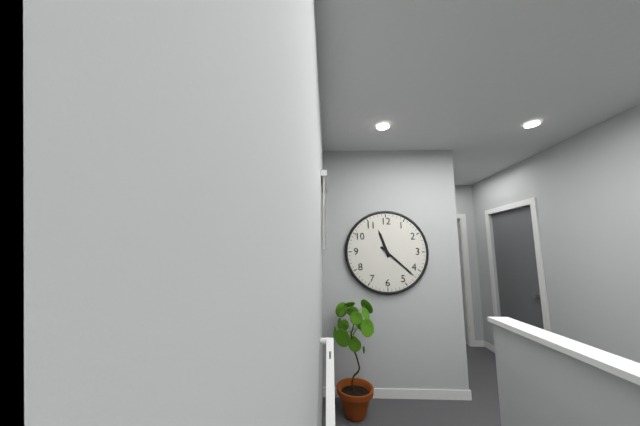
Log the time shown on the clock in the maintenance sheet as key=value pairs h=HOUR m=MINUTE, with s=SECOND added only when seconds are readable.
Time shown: h=11 m=22
